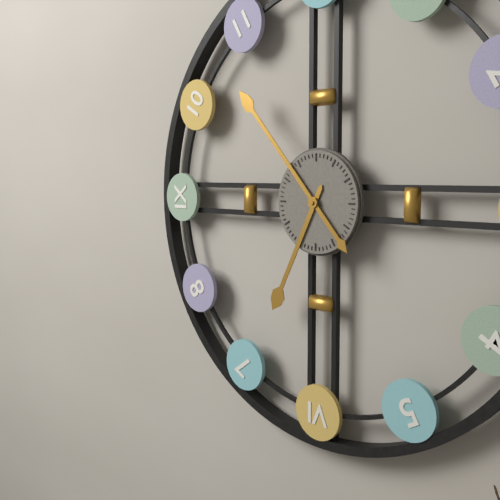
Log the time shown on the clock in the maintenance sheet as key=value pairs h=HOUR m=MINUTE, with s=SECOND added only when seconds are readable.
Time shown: h=6 m=53
